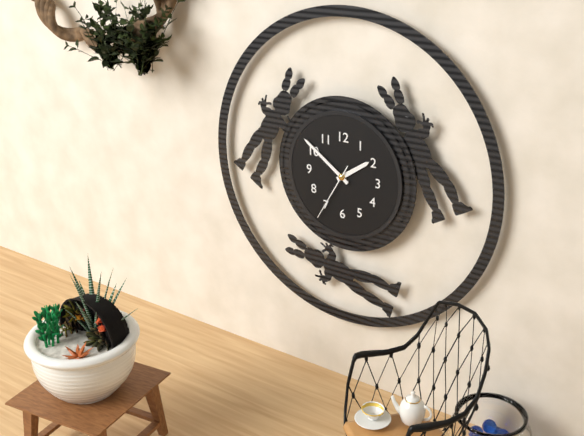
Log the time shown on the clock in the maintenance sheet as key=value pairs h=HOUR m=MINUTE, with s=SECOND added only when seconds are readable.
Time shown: h=1 m=51 s=35
